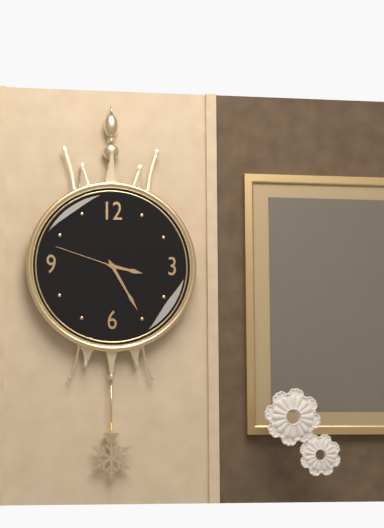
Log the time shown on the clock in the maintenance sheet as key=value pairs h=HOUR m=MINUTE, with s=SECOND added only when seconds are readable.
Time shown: h=3 m=25 s=48
